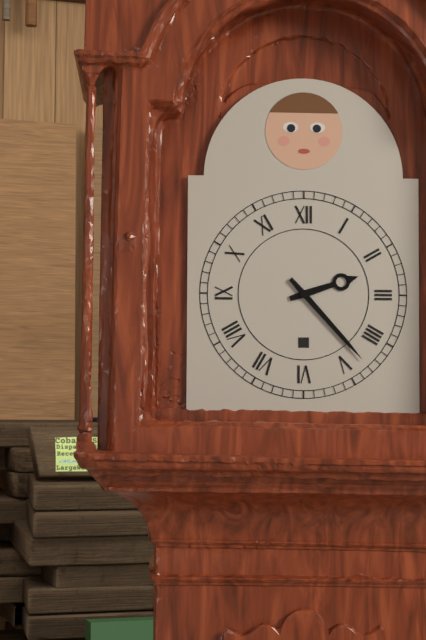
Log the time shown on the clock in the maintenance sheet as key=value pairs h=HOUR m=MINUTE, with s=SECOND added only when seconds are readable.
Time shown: h=2 m=23
